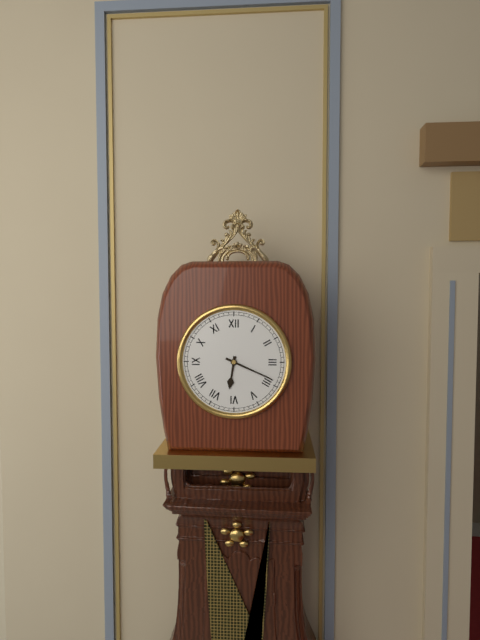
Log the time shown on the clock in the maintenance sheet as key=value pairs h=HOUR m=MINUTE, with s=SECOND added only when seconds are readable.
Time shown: h=6 m=19
